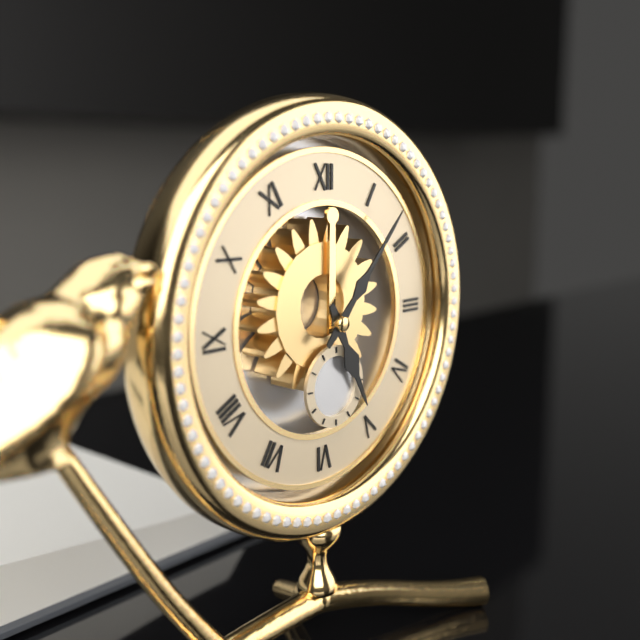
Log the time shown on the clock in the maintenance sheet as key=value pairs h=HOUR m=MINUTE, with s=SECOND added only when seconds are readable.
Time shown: h=5 m=7
